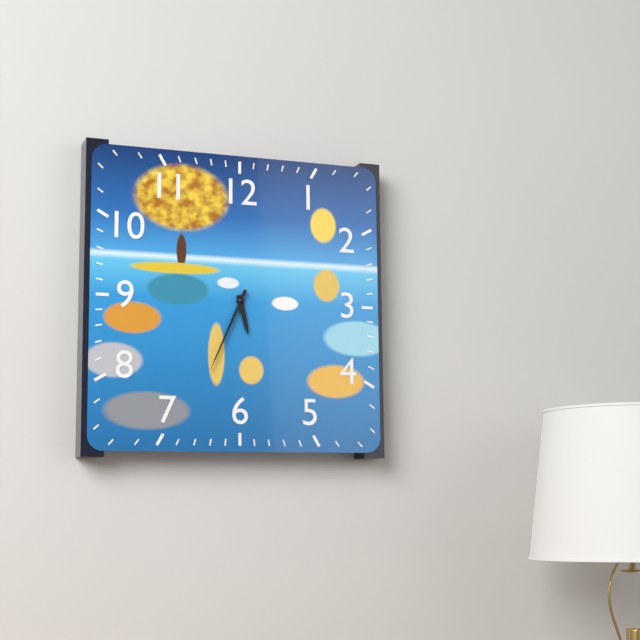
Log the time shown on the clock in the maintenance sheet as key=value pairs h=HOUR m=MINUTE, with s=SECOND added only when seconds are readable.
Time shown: h=5 m=34
